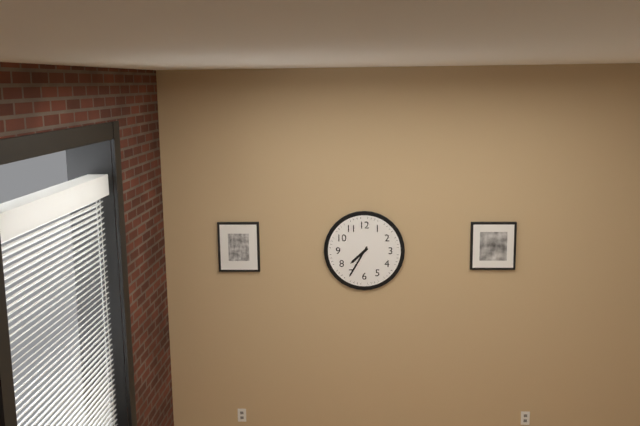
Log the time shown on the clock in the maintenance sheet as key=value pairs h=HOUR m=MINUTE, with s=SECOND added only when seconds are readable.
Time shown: h=7 m=35
